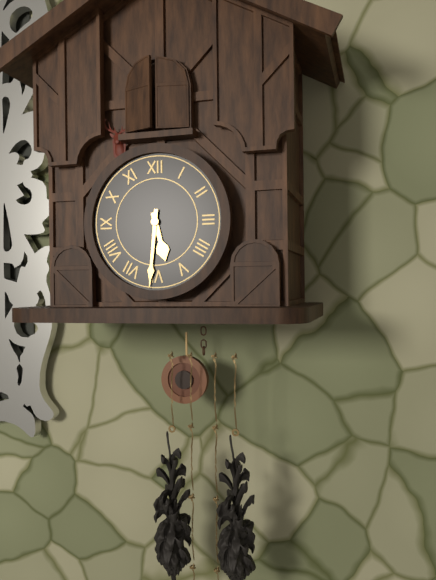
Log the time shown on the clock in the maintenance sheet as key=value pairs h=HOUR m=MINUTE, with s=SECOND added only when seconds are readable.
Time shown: h=5 m=31
